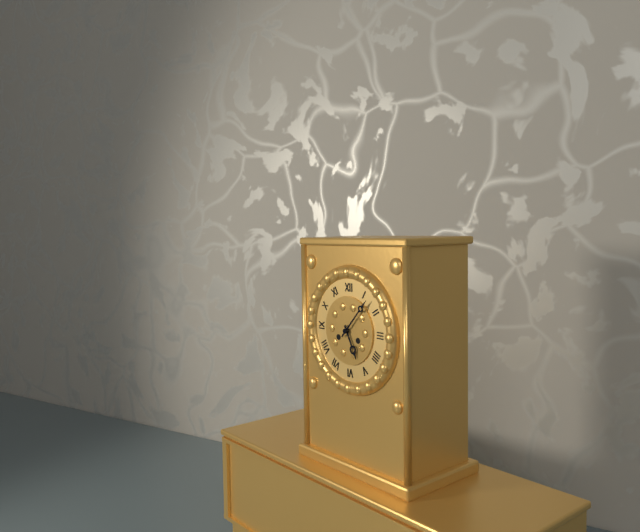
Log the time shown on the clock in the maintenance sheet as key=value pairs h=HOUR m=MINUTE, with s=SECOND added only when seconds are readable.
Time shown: h=5 m=7
